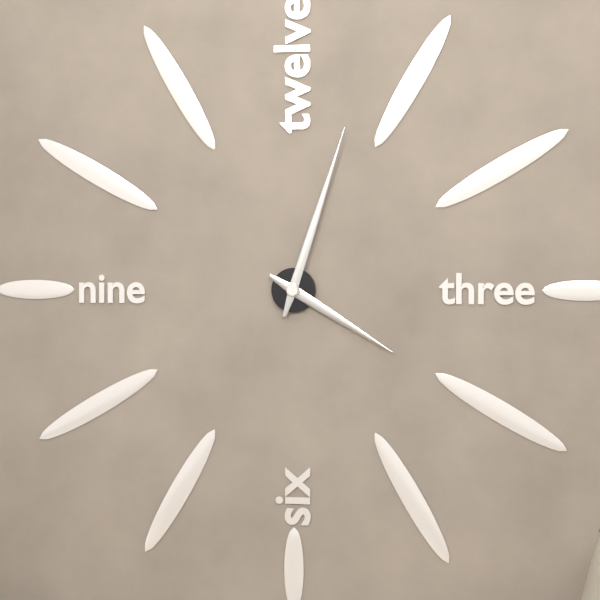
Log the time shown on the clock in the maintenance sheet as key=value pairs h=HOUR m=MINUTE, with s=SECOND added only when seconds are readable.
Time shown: h=4 m=3
